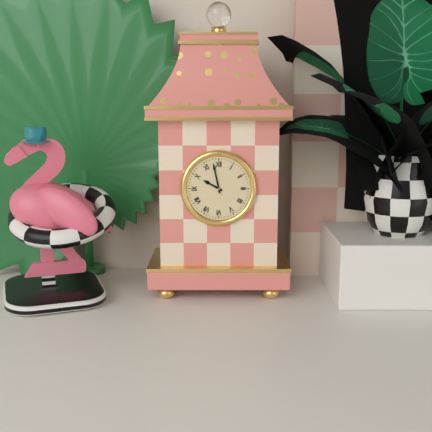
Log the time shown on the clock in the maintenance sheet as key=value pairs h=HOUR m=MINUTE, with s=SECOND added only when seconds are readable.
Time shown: h=9 m=58
